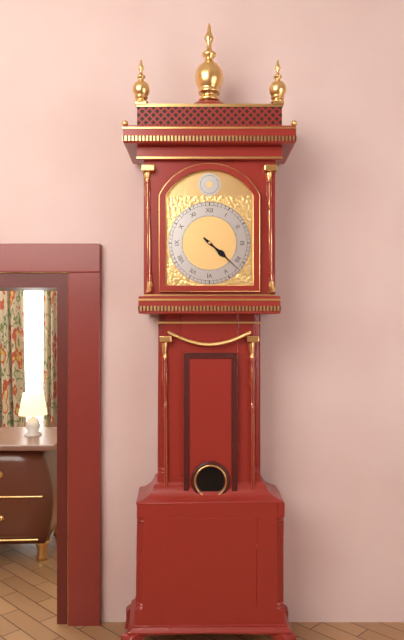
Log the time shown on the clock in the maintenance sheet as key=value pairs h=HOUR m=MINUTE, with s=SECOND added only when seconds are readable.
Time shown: h=4 m=22
